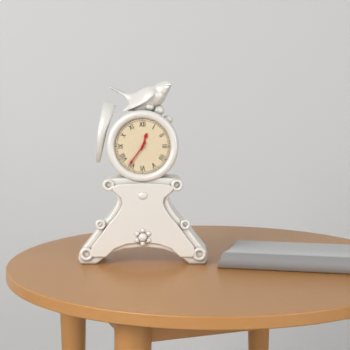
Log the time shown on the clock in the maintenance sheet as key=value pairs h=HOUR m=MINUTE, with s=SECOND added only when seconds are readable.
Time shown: h=12 m=36
